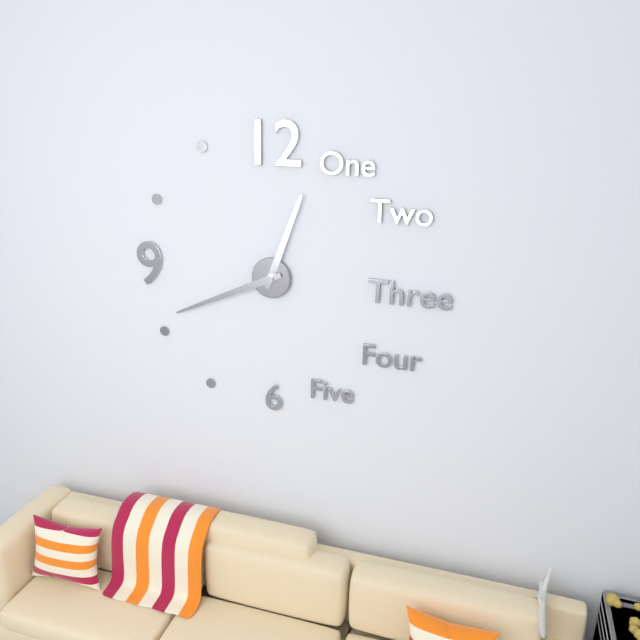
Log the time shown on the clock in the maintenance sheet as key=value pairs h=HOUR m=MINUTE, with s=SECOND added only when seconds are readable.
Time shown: h=12 m=41
